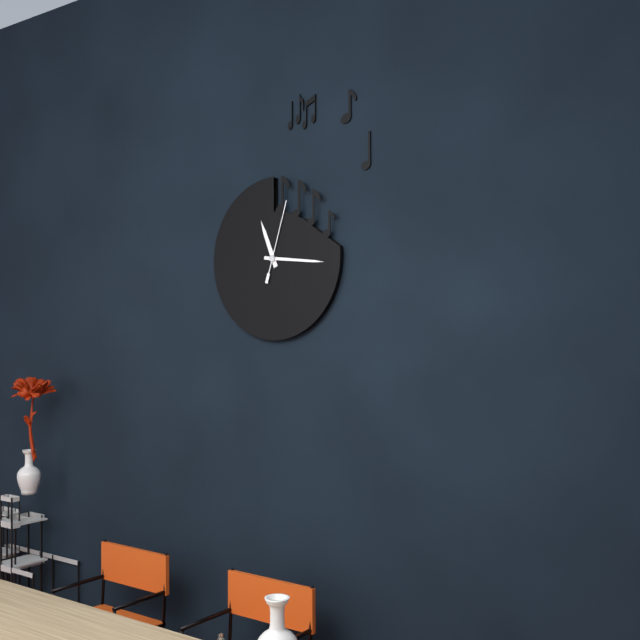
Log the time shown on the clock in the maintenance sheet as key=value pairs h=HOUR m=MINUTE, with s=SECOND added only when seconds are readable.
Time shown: h=11 m=16 s=3
